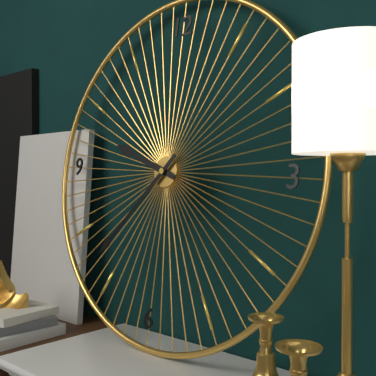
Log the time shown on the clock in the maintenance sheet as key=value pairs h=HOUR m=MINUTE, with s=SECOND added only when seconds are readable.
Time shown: h=9 m=37
